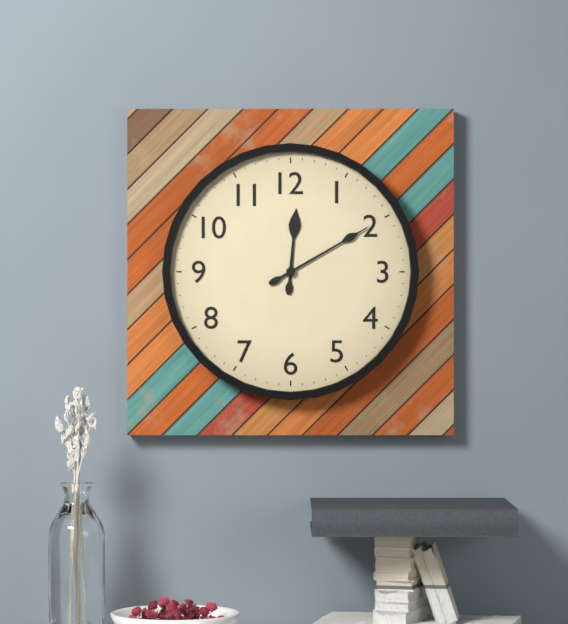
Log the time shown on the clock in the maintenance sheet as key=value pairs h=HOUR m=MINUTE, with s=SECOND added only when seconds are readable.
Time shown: h=12 m=10
